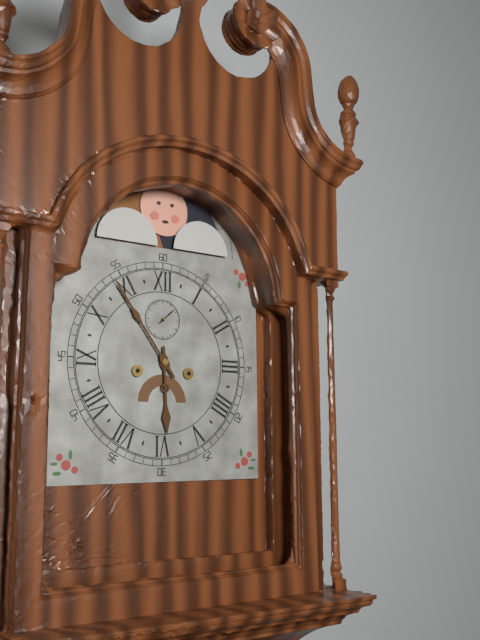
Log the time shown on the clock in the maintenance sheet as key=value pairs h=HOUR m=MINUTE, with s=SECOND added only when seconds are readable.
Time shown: h=5 m=54
